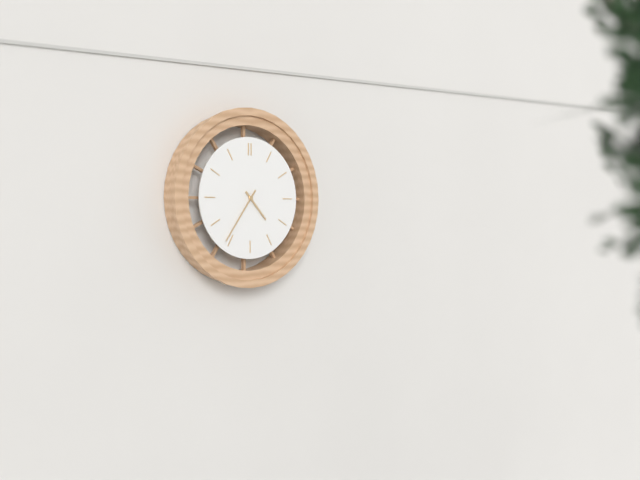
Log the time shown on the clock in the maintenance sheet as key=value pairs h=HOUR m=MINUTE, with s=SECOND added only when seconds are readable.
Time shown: h=4 m=36
